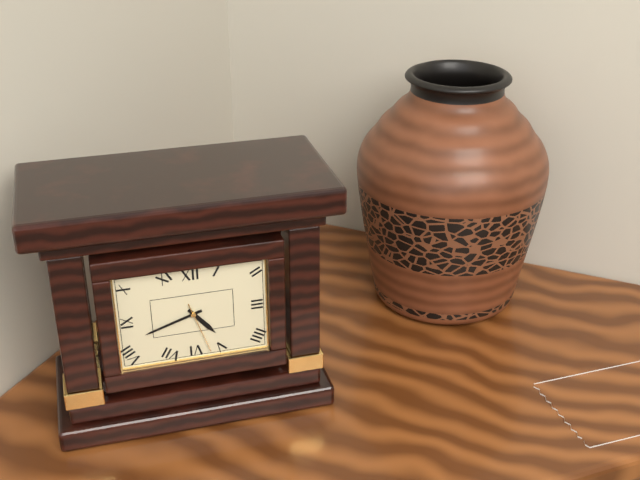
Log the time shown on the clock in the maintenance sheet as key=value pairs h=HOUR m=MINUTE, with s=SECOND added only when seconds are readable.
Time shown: h=4 m=42 s=27
